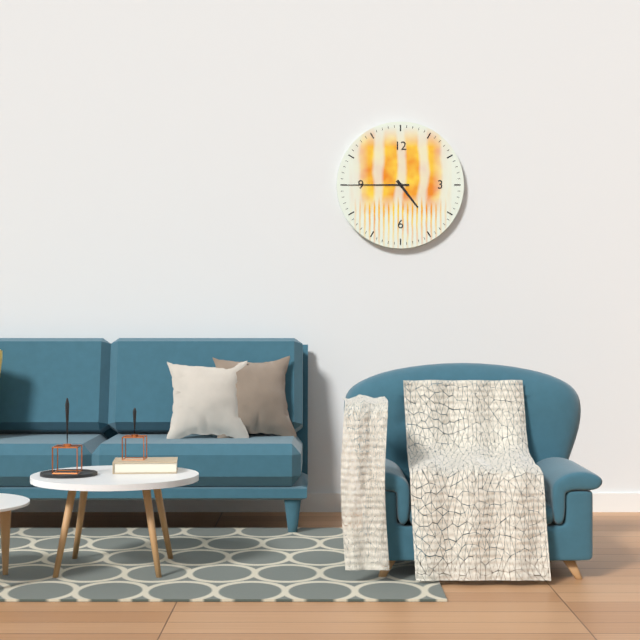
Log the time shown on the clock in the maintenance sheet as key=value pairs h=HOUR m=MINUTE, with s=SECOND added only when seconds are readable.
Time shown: h=4 m=45
